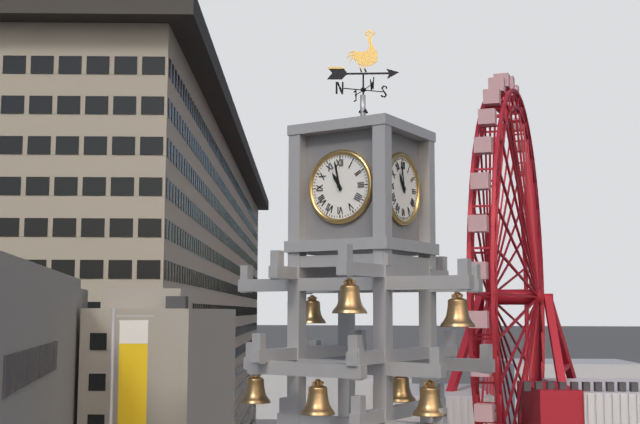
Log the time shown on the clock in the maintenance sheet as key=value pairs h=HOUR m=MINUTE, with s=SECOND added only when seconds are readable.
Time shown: h=10 m=58
